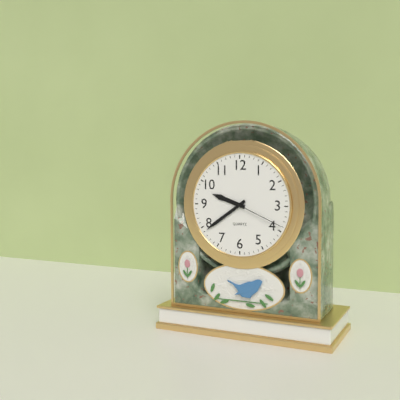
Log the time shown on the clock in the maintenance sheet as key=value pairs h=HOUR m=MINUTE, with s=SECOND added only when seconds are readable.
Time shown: h=9 m=39 s=19
